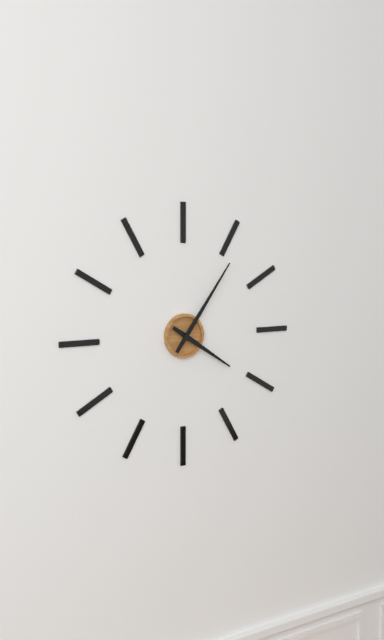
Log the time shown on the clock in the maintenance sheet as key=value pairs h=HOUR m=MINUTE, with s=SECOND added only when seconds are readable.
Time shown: h=4 m=6
